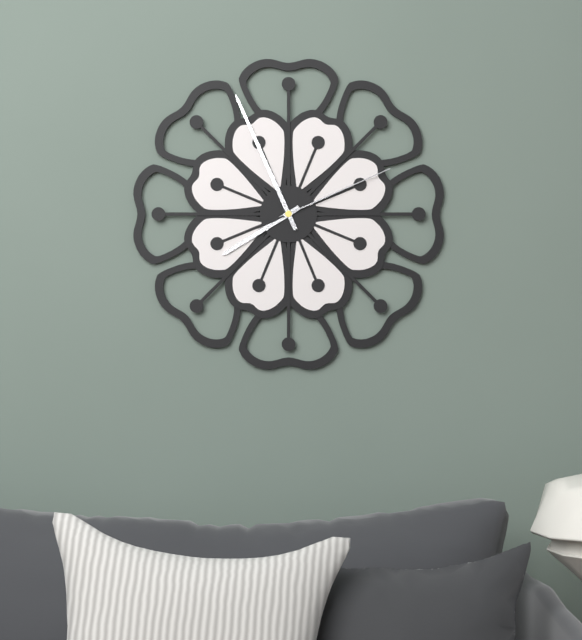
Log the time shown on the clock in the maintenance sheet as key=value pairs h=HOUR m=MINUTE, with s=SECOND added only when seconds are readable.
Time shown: h=7 m=56 s=11
